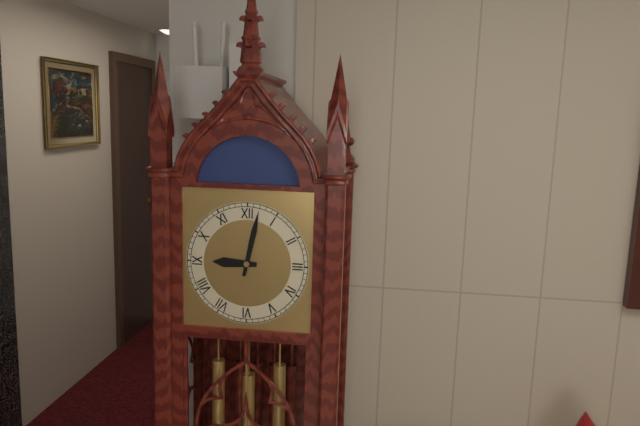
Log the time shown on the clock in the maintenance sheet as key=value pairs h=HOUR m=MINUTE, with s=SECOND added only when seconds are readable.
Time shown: h=9 m=2
